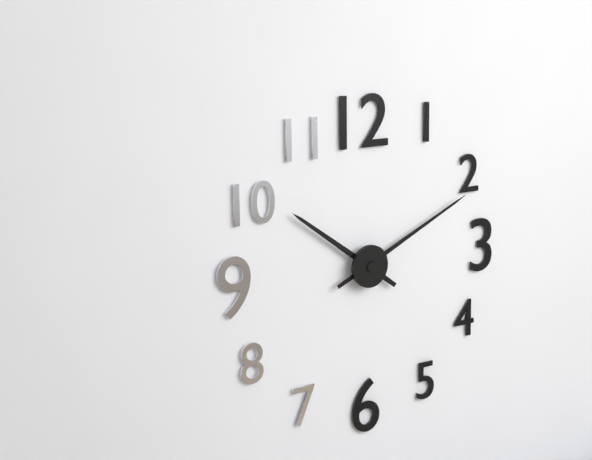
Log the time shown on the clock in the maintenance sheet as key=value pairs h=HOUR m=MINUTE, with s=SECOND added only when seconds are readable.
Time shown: h=10 m=11
